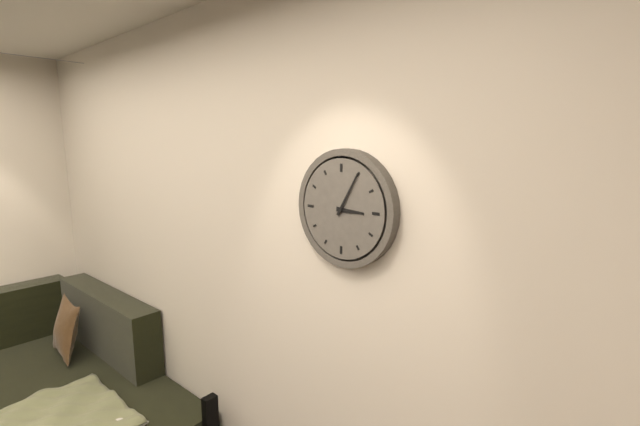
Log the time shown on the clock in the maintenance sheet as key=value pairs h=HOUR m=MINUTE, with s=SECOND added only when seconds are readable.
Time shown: h=3 m=5
